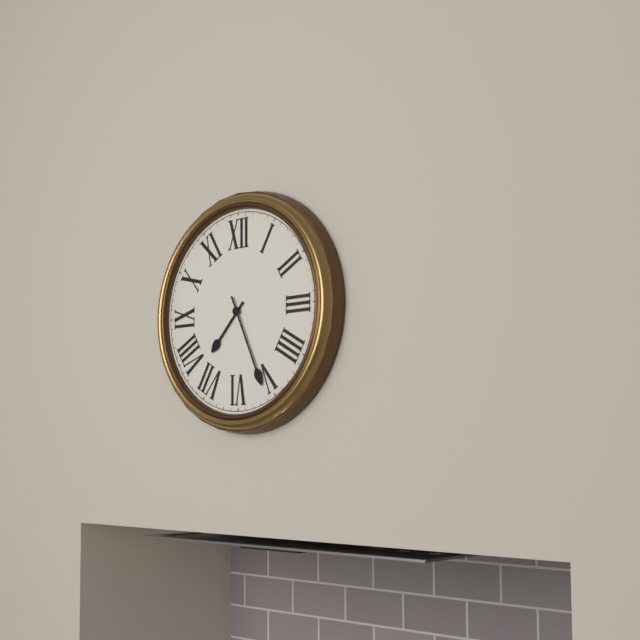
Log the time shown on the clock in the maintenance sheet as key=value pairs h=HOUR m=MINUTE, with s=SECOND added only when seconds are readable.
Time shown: h=7 m=26
